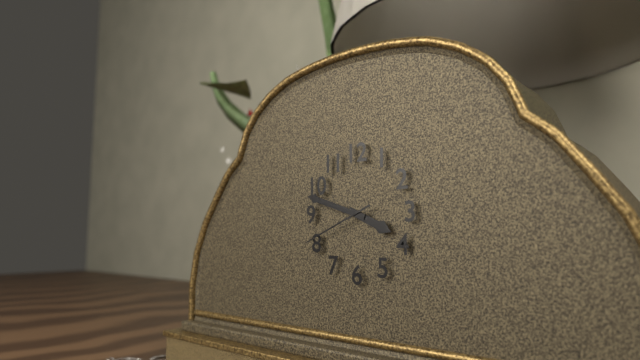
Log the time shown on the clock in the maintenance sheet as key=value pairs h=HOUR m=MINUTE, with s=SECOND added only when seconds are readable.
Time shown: h=3 m=48 s=41
